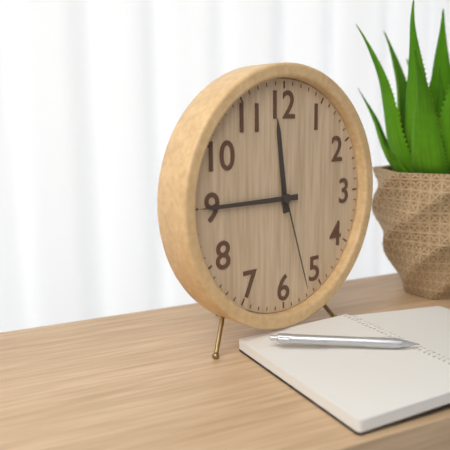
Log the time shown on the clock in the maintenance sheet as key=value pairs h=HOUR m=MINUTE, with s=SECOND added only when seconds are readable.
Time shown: h=11 m=45 s=27
